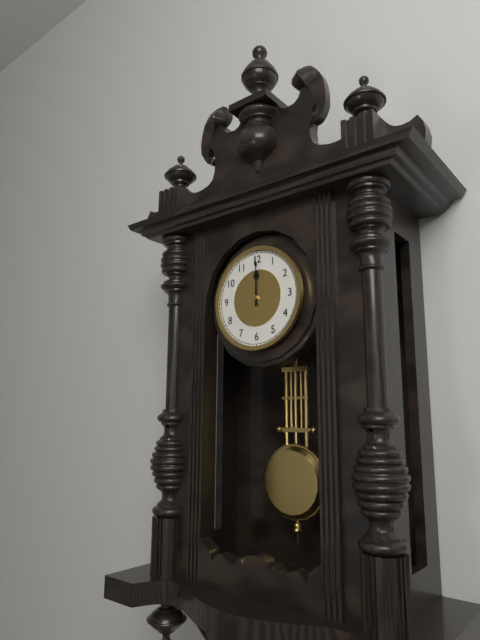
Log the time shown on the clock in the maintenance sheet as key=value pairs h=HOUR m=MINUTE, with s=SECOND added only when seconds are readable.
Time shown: h=12 m=0
